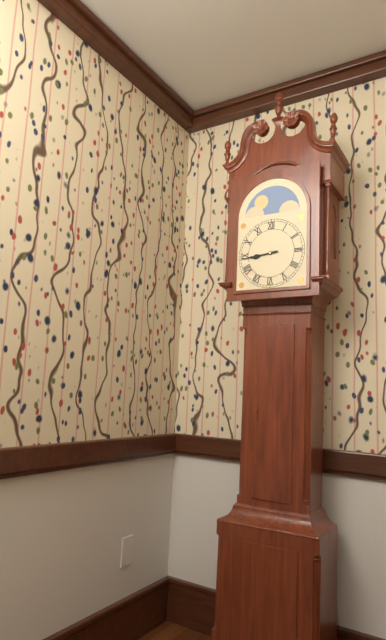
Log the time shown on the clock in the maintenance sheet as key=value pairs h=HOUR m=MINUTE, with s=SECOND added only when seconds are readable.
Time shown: h=8 m=44
